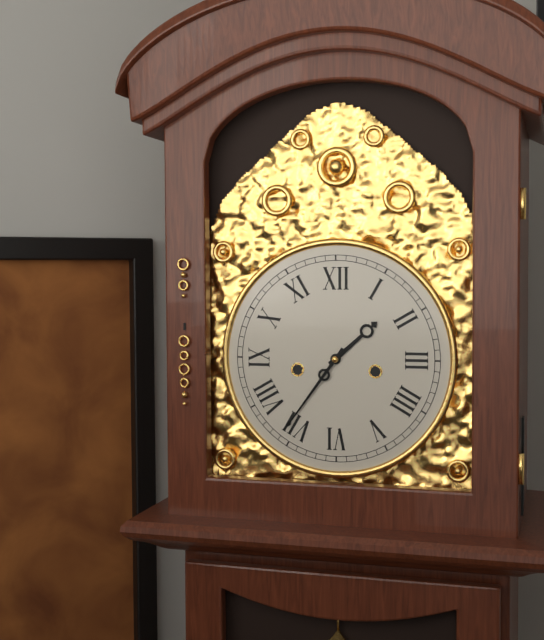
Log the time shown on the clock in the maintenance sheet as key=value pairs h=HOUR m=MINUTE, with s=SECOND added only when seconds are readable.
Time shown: h=1 m=36
